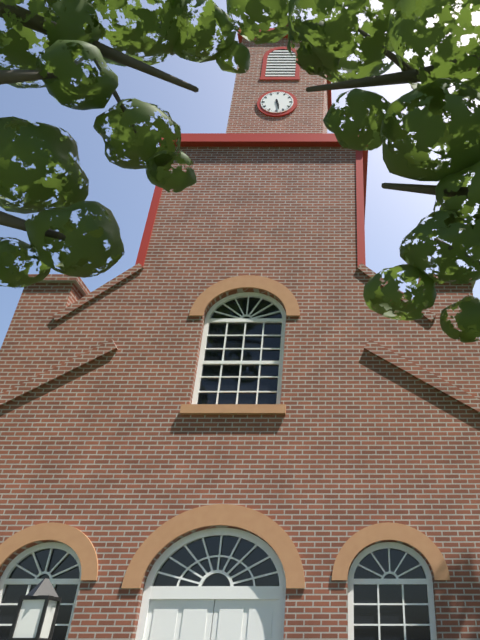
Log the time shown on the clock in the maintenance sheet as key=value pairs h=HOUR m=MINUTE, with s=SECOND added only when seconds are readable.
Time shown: h=5 m=28
